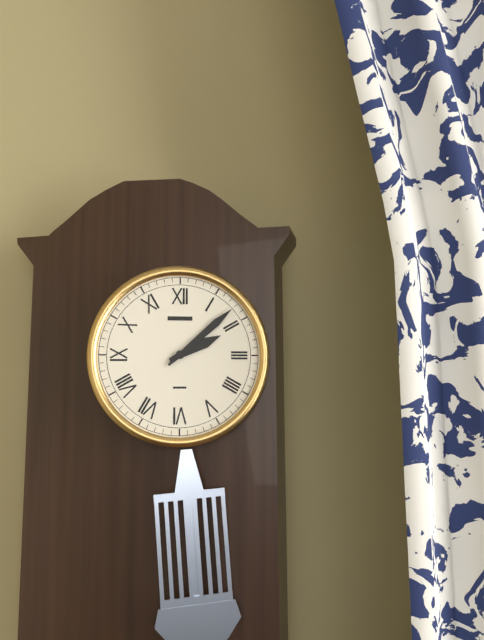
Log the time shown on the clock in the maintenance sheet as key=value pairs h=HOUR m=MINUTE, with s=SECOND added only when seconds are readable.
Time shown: h=2 m=8
